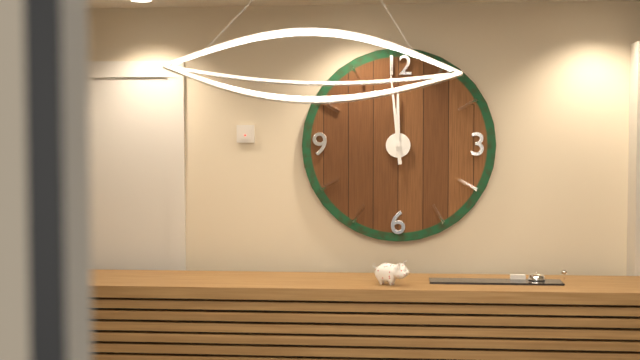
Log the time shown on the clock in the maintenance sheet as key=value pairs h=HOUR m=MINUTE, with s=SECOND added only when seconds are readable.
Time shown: h=11 m=59
